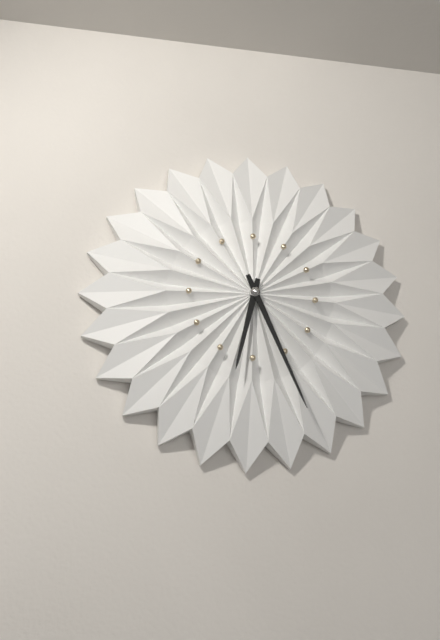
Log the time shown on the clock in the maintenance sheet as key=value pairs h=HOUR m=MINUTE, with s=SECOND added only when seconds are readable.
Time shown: h=6 m=26
